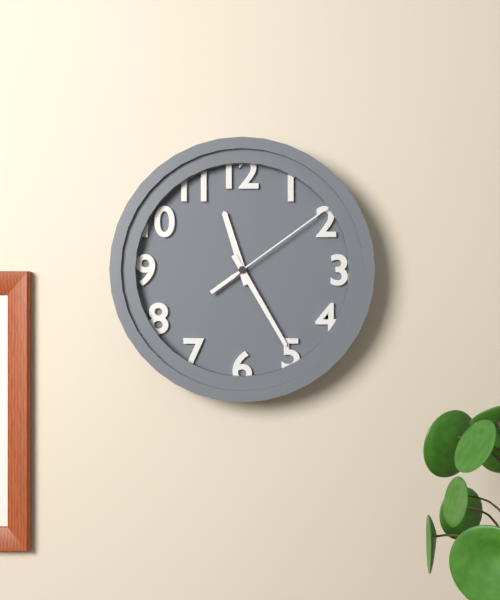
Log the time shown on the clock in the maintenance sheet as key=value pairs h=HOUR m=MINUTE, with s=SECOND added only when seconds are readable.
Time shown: h=11 m=25 s=9
